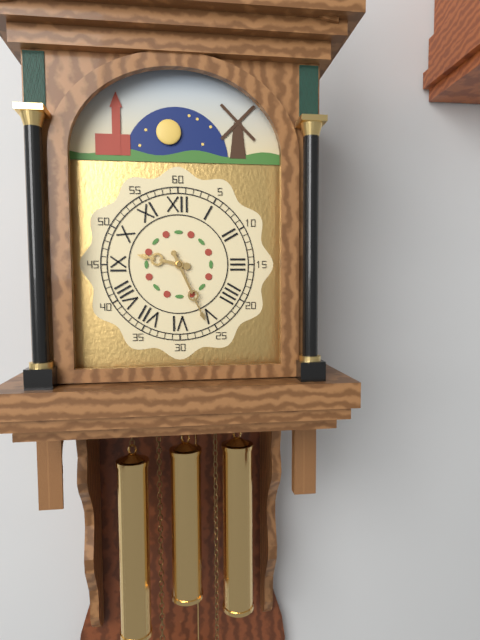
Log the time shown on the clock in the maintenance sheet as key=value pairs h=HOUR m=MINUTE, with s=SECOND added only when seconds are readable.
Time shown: h=9 m=26
